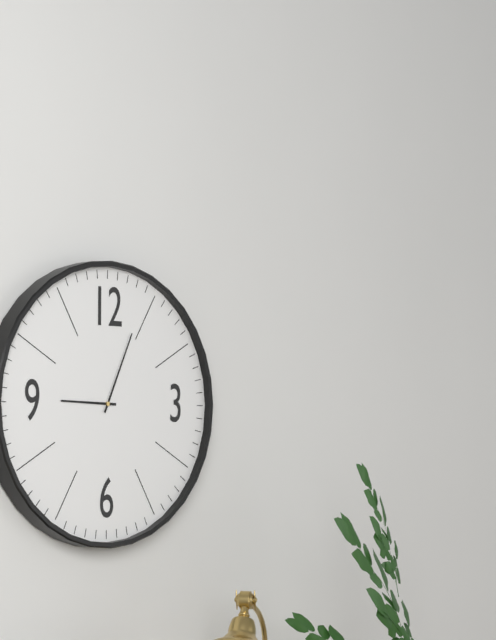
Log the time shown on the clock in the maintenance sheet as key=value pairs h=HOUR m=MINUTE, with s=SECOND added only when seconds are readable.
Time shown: h=9 m=4
